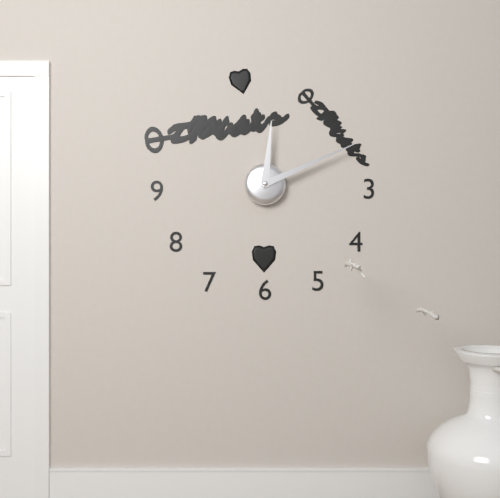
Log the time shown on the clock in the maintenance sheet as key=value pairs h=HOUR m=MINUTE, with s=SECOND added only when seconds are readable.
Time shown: h=12 m=11
